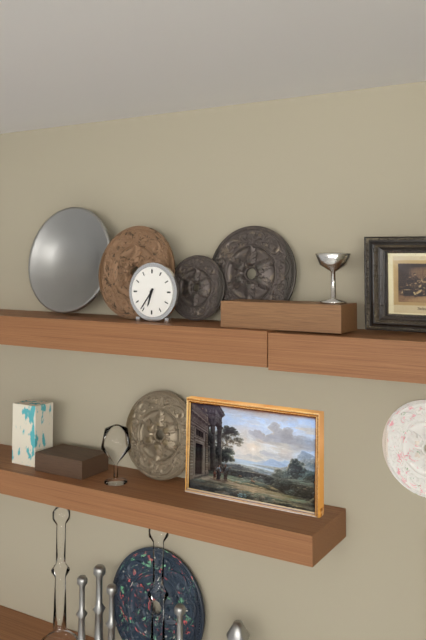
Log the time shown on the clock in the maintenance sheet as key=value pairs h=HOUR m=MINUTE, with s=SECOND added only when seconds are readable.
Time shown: h=6 m=36
